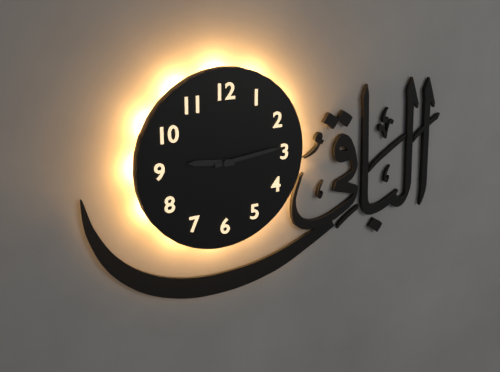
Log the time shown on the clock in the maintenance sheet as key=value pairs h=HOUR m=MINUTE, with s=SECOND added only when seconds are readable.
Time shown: h=9 m=14
